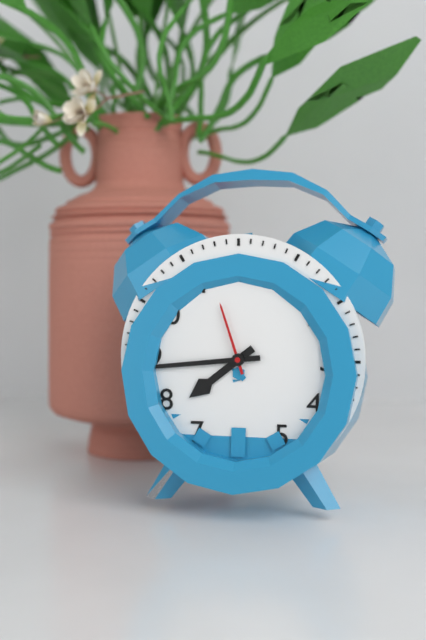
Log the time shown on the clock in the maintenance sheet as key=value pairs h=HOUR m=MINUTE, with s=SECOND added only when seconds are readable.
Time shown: h=7 m=44 s=57
